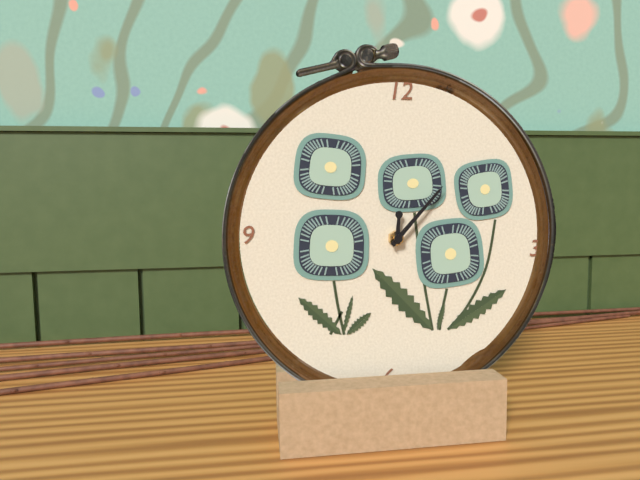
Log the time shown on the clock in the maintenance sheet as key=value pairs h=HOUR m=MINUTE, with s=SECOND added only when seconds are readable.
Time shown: h=12 m=7
